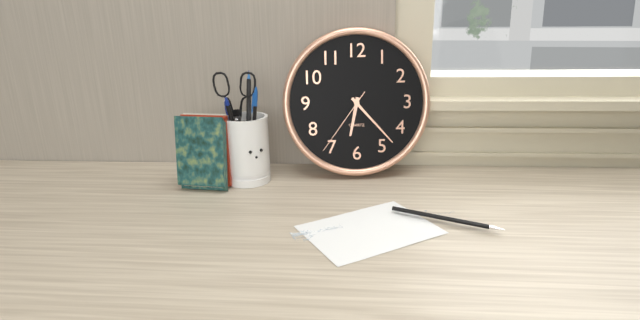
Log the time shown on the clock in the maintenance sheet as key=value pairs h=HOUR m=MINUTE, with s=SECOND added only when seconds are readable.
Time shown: h=6 m=23 s=36
